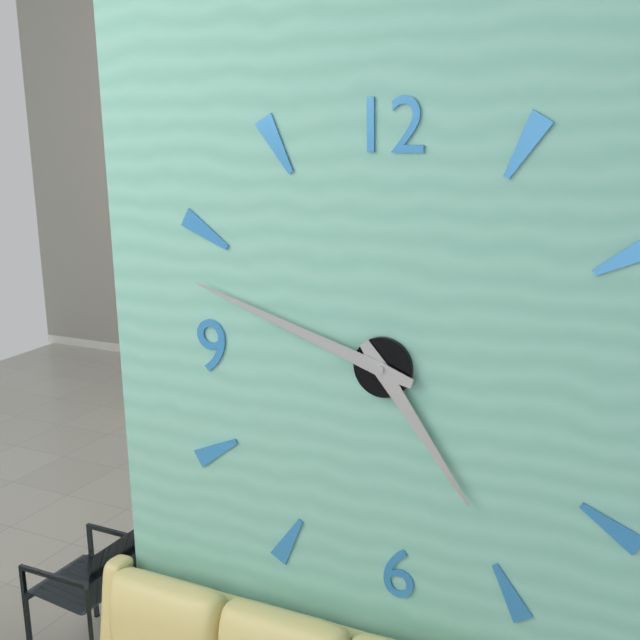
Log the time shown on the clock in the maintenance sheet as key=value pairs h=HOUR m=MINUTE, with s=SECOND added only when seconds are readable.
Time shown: h=4 m=48
